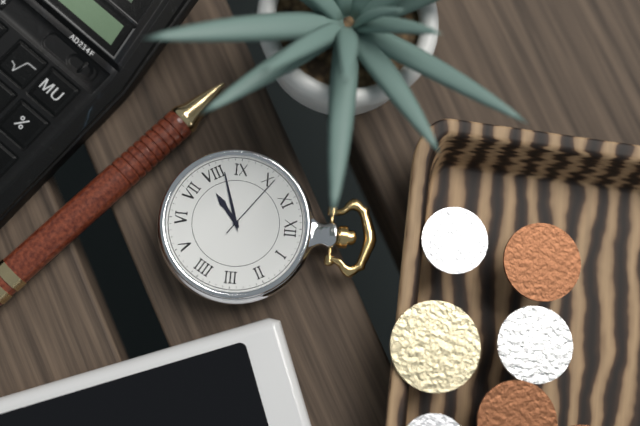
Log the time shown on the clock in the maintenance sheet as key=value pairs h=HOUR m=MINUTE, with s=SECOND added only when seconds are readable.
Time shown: h=7 m=42 s=51
